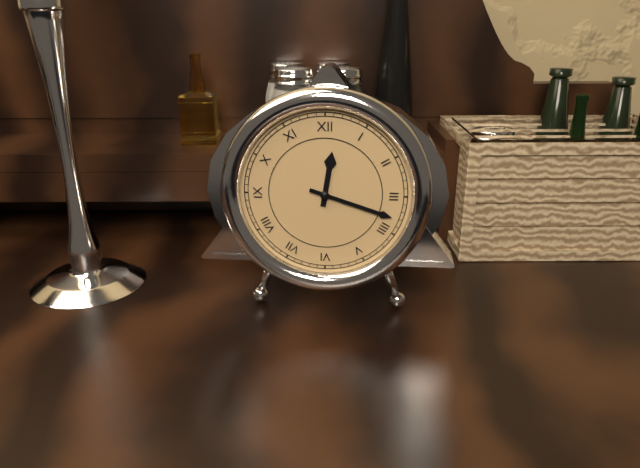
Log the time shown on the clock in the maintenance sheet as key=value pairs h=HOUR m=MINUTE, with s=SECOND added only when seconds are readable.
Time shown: h=12 m=18
